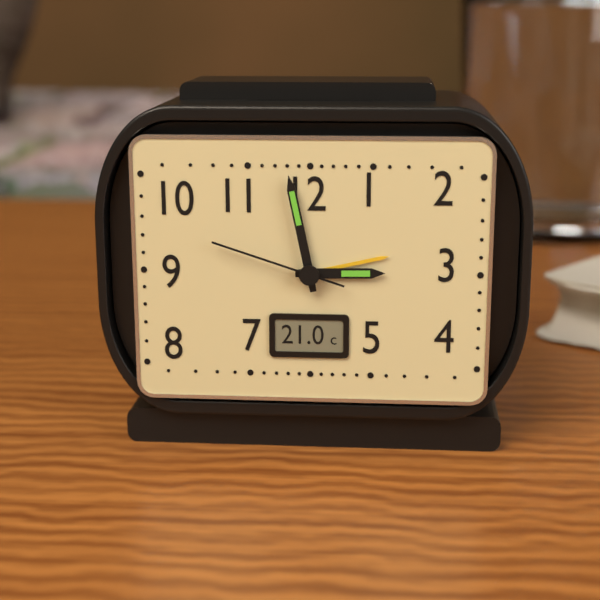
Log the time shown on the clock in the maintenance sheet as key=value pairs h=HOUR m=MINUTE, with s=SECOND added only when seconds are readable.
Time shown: h=2 m=58 s=48
